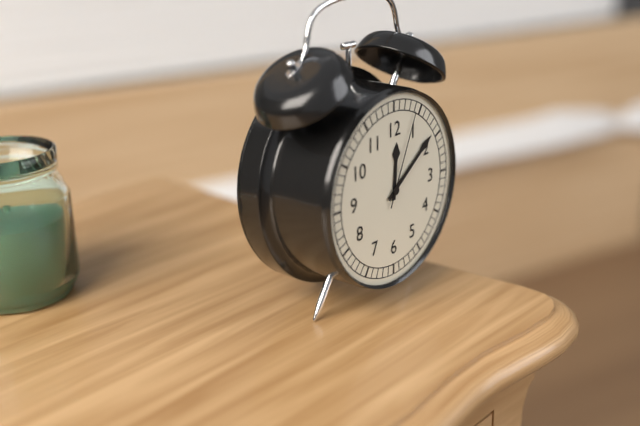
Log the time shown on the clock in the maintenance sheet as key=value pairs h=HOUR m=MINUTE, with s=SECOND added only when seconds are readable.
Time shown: h=12 m=9 s=4
